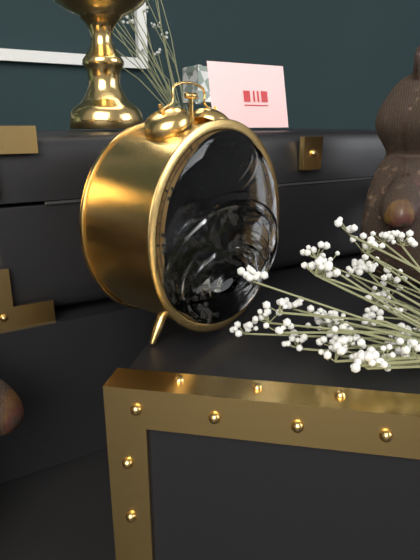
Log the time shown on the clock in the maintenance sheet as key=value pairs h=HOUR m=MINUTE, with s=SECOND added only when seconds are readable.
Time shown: h=5 m=31
